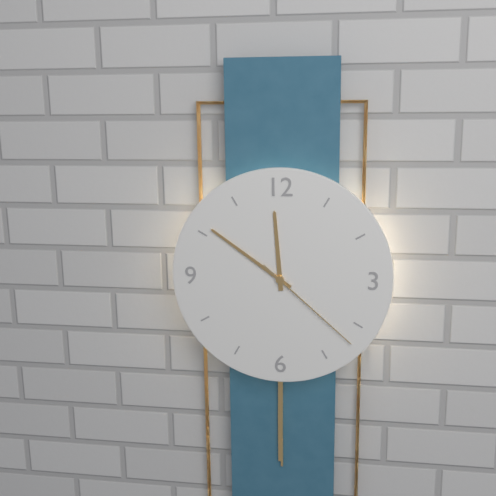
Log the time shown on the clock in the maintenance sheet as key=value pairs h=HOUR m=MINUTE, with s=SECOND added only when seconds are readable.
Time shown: h=11 m=51 s=22
